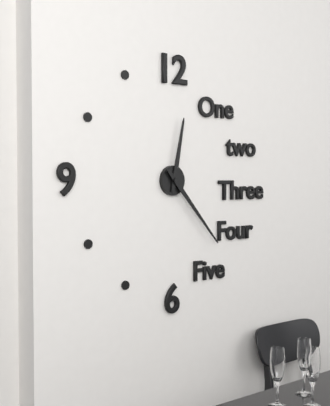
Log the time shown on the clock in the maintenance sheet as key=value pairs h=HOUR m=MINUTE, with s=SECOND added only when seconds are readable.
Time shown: h=12 m=23
